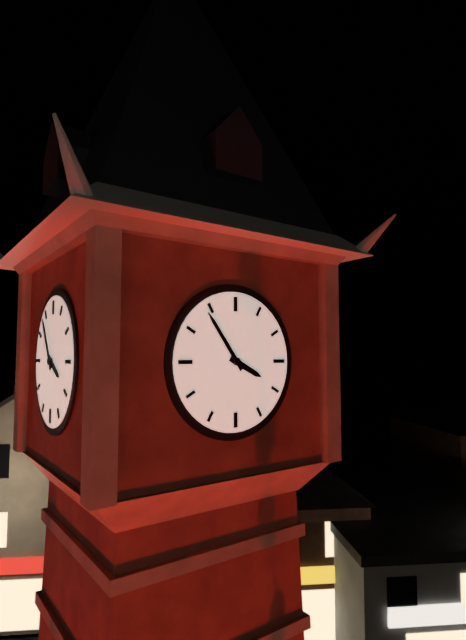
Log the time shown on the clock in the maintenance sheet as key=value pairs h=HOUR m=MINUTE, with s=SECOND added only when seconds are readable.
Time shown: h=3 m=54
